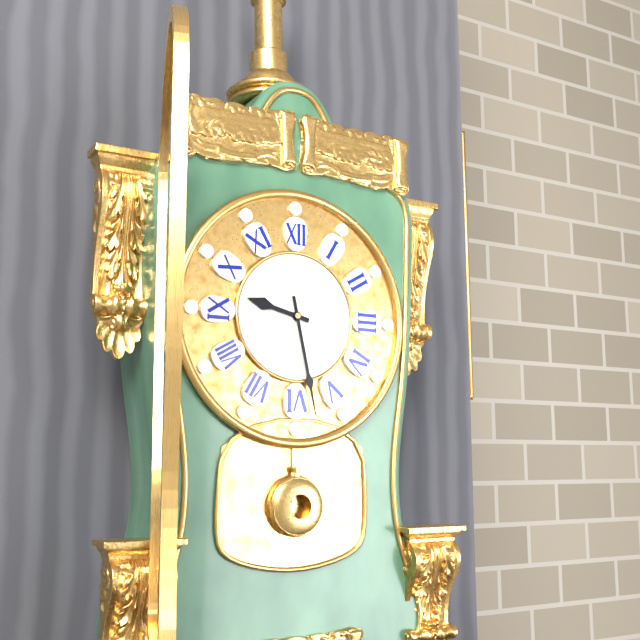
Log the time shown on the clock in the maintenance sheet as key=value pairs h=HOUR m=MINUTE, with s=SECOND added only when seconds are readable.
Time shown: h=9 m=28
